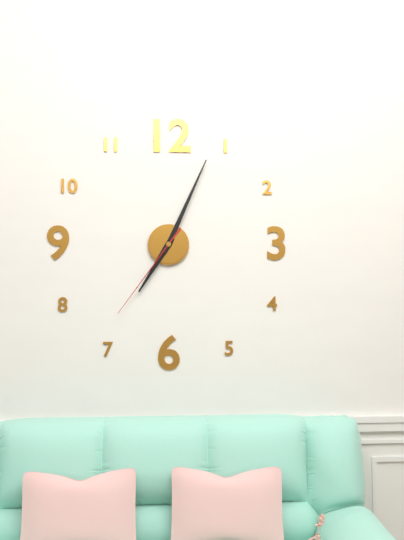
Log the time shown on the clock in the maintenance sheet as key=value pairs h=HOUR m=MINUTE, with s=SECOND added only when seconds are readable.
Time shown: h=7 m=4 s=36
